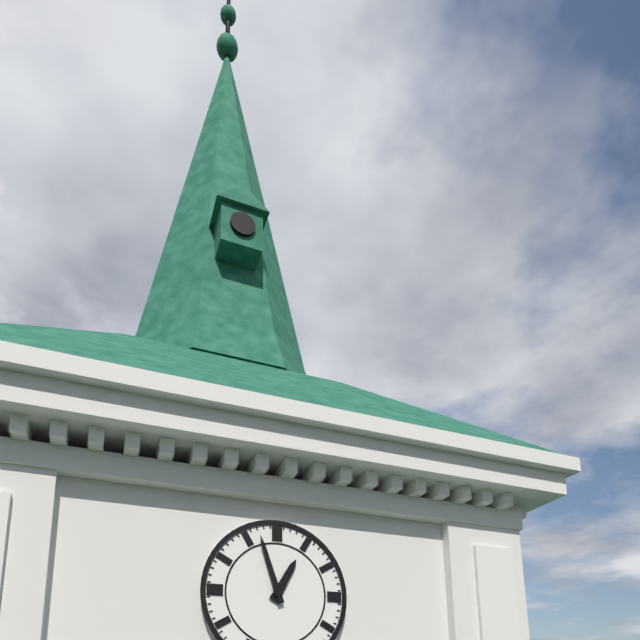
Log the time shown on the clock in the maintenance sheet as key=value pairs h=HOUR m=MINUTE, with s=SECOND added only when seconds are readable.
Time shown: h=12 m=57
